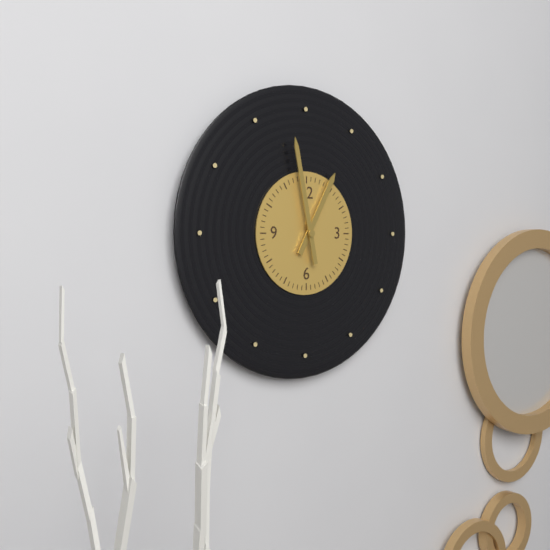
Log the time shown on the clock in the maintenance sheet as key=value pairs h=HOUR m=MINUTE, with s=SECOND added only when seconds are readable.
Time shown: h=12 m=58
